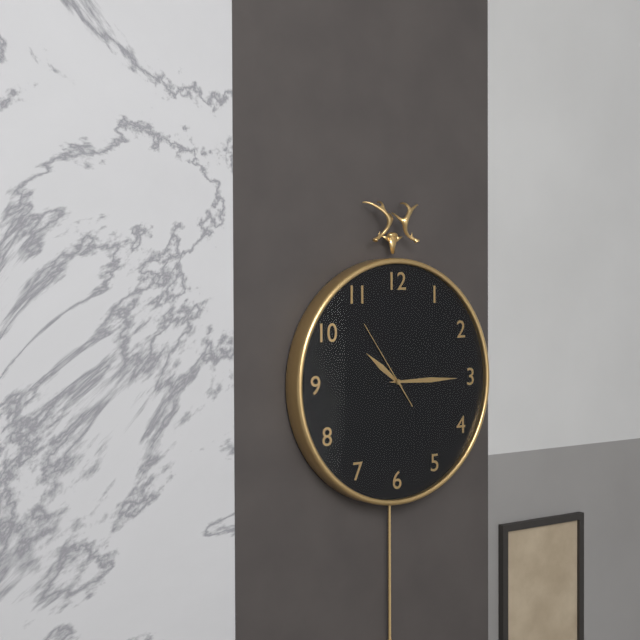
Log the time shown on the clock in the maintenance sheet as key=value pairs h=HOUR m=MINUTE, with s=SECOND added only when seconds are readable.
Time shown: h=10 m=15 s=54
